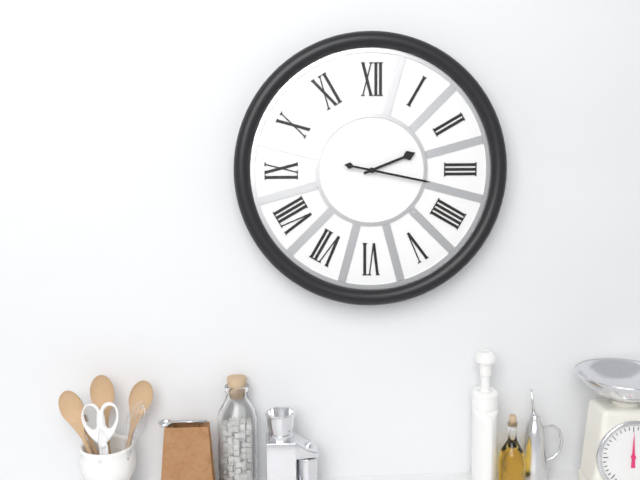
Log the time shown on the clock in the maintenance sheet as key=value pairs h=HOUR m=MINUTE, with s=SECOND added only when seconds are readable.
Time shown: h=2 m=17
